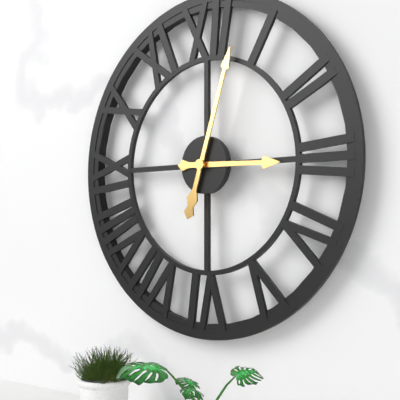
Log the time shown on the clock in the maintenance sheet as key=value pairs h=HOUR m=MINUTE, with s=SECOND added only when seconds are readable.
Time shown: h=3 m=3
